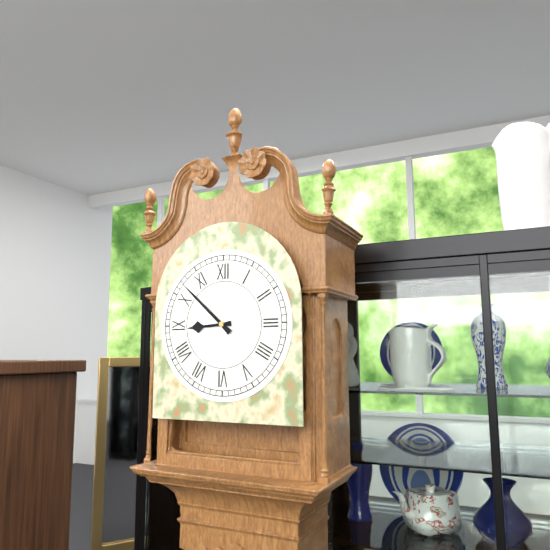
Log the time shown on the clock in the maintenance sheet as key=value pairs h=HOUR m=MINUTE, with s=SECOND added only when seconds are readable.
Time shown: h=8 m=52
